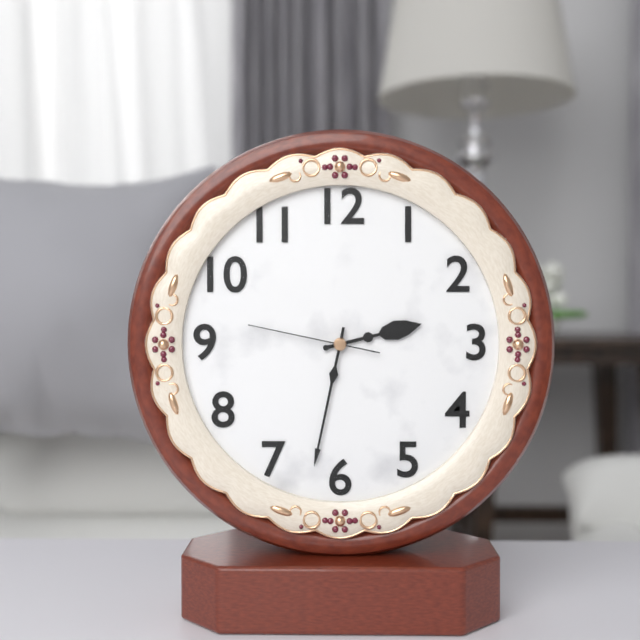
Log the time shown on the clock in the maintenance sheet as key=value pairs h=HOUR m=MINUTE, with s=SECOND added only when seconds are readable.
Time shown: h=2 m=32 s=47
